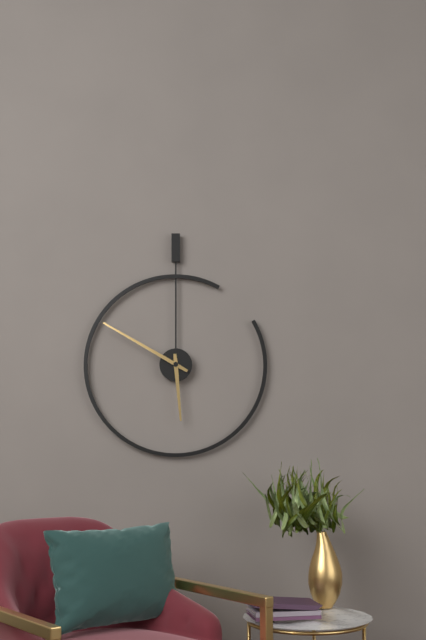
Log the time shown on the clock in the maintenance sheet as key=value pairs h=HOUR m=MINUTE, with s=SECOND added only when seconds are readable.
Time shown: h=5 m=50
